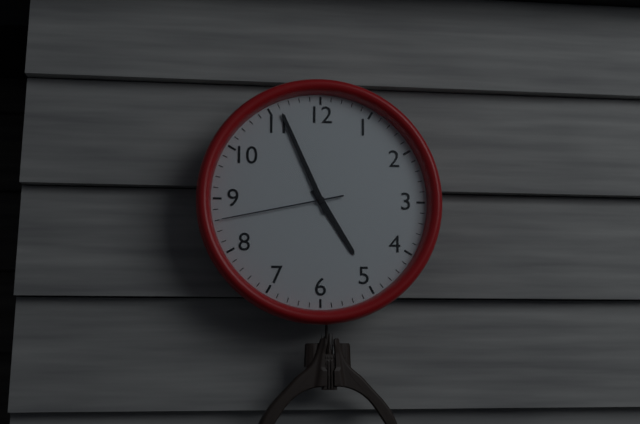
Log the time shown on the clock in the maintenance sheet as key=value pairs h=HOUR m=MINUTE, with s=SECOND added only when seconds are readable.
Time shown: h=4 m=56 s=43
